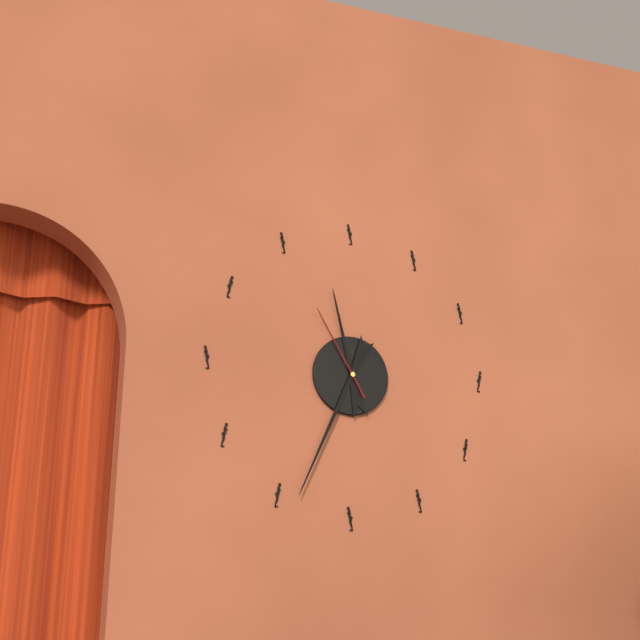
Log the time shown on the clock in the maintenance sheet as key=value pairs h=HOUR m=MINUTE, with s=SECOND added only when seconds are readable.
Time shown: h=11 m=34 s=55
